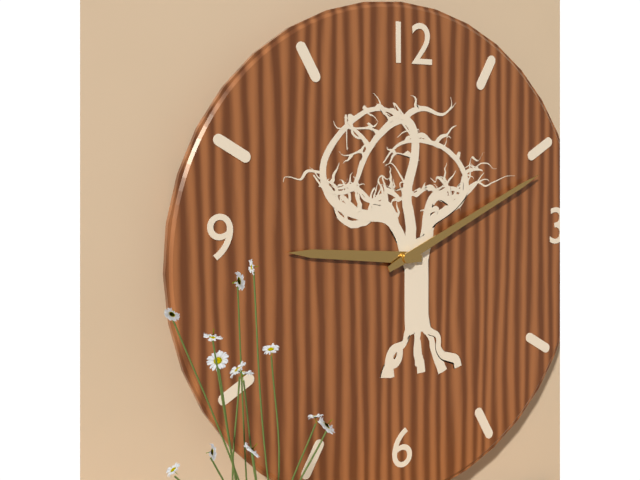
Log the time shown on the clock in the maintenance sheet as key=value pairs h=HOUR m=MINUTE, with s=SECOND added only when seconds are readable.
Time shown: h=9 m=11
